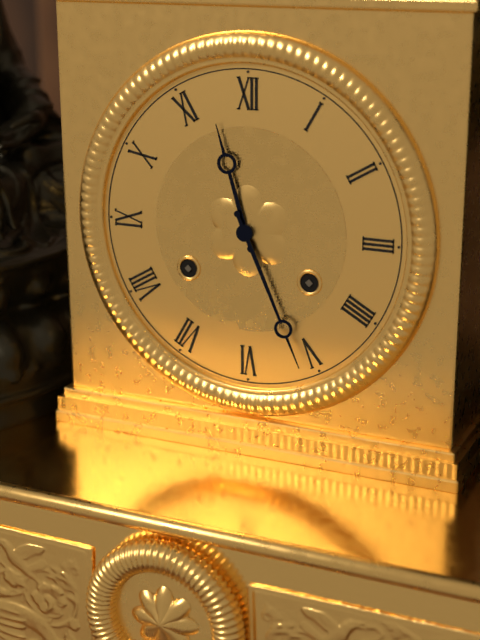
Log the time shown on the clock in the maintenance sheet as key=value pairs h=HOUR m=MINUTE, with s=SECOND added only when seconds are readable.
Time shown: h=11 m=26
